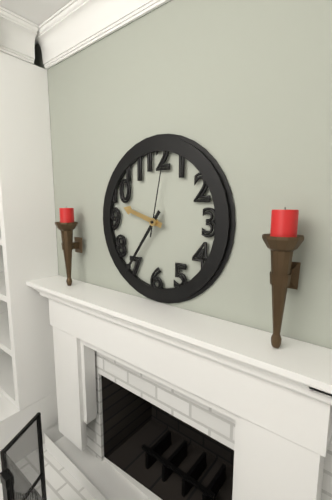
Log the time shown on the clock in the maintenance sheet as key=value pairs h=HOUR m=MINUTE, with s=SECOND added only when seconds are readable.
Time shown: h=9 m=36 s=2
